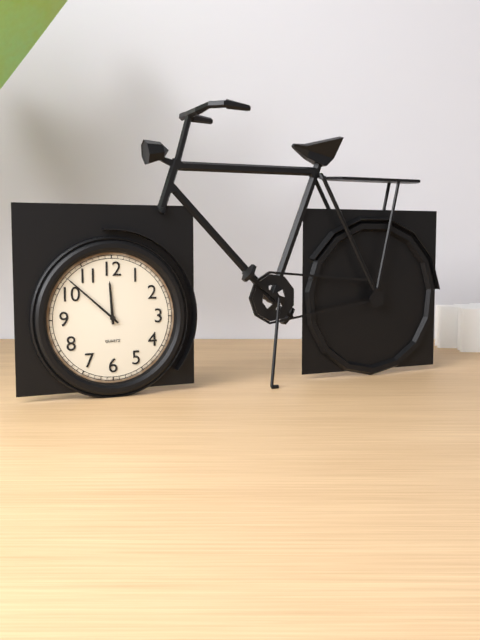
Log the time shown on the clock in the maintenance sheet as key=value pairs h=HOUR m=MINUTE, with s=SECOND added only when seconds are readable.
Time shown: h=11 m=52
